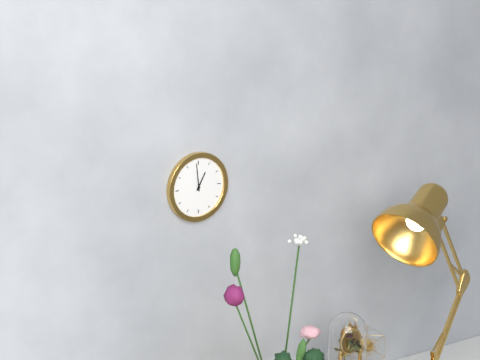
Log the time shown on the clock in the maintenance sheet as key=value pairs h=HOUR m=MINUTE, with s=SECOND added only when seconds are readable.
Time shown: h=12 m=59
